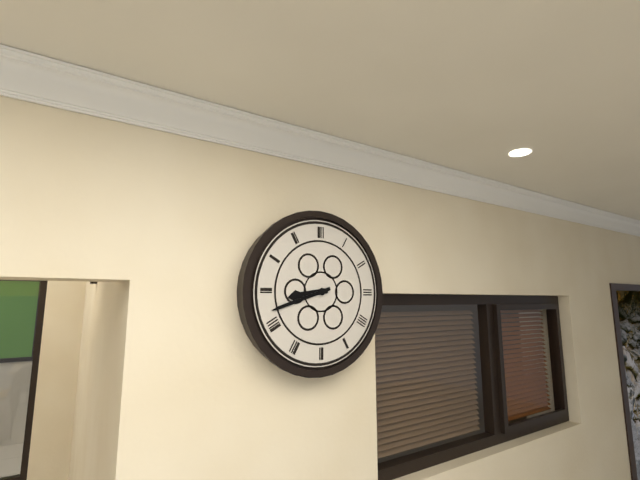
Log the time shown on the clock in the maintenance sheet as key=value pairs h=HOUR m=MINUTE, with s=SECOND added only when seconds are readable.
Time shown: h=8 m=42
